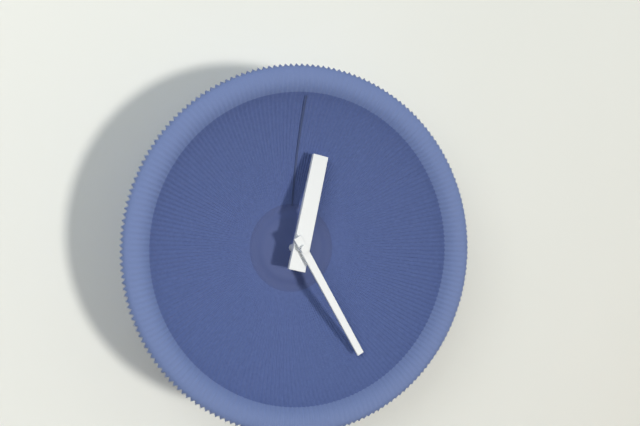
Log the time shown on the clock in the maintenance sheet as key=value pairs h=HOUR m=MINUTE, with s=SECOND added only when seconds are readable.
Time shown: h=12 m=25
